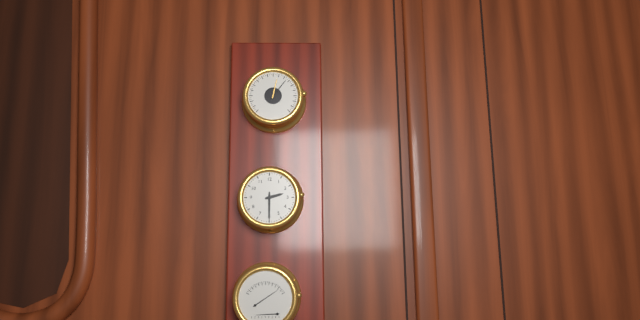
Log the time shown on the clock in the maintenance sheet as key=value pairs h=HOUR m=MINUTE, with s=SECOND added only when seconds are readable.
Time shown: h=2 m=30
